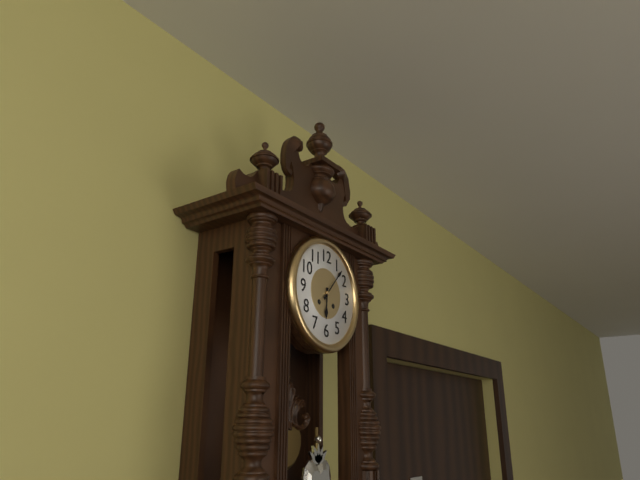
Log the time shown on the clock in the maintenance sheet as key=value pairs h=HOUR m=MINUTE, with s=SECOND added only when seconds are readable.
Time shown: h=6 m=7
